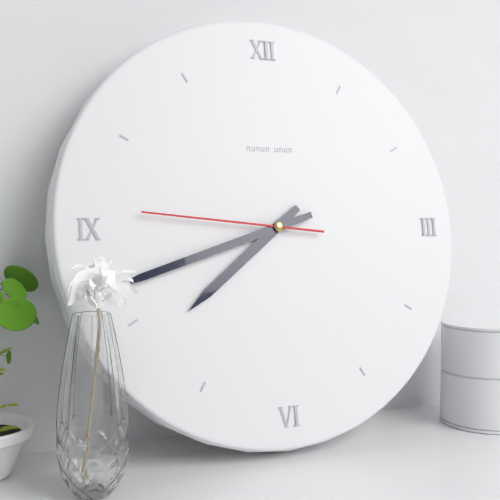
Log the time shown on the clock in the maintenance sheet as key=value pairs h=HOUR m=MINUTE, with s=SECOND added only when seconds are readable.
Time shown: h=7 m=42 s=46
